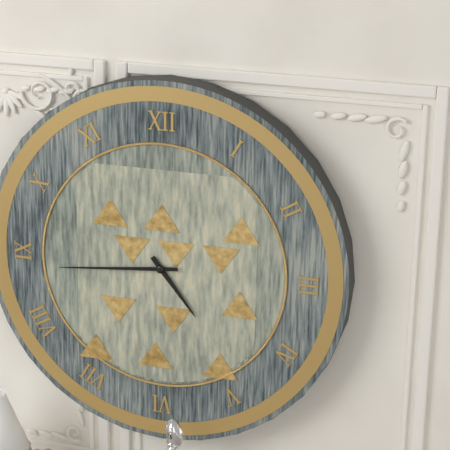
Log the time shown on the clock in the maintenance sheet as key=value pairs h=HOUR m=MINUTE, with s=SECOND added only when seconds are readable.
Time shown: h=4 m=44
